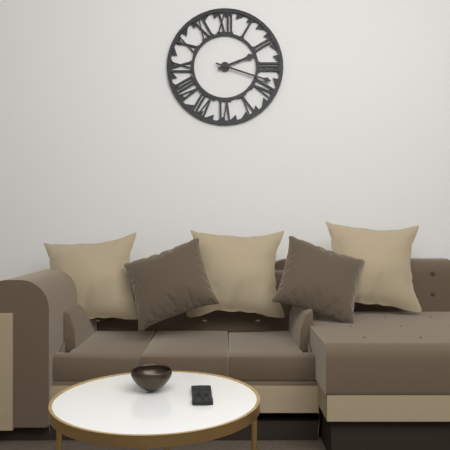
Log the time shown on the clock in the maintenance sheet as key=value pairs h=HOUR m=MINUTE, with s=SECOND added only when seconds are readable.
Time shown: h=2 m=18
